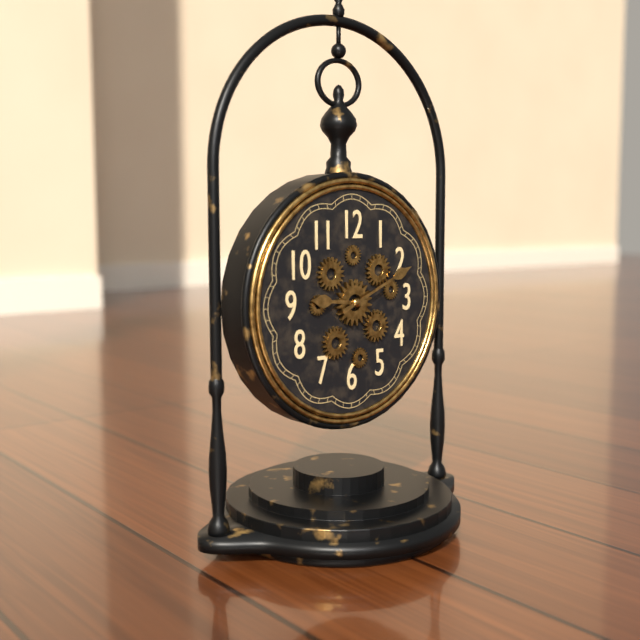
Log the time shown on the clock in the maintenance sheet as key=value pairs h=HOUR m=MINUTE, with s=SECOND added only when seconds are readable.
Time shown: h=9 m=11
